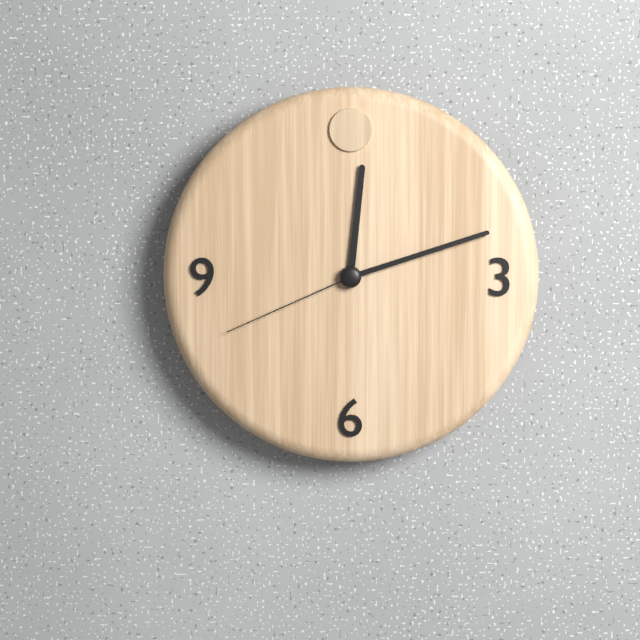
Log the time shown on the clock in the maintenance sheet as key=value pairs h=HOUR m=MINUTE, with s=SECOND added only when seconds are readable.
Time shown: h=12 m=12 s=41
